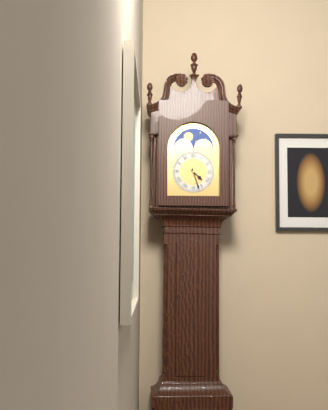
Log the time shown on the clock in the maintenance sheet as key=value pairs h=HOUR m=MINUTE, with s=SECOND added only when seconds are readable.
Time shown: h=4 m=27
